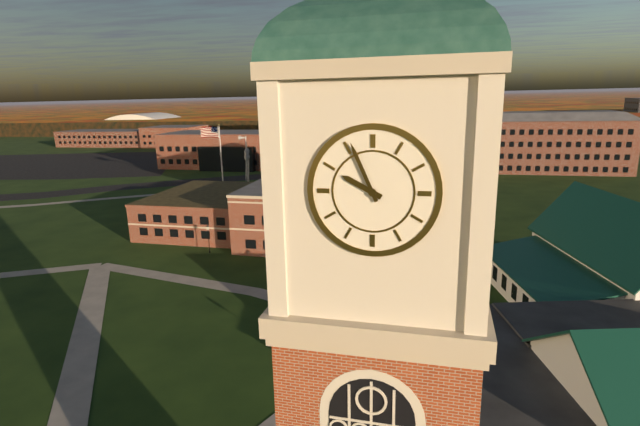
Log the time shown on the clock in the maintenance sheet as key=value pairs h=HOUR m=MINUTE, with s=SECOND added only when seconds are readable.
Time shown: h=9 m=56
